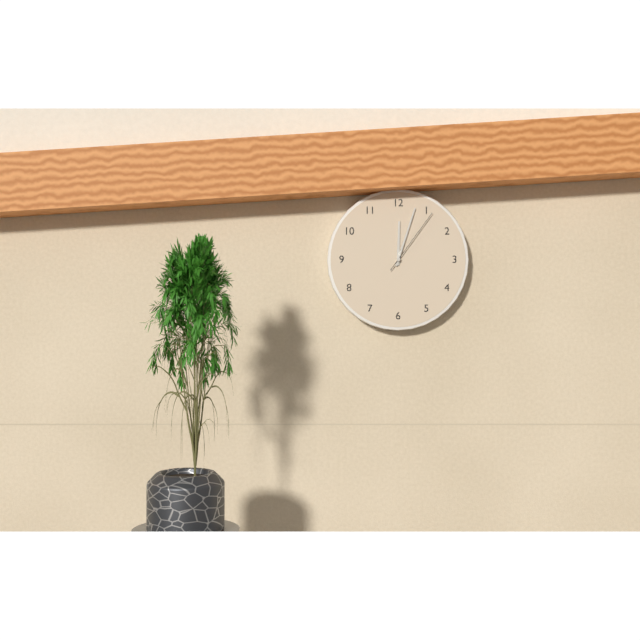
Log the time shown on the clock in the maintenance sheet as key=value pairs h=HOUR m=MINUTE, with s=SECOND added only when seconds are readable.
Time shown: h=12 m=3 s=6
